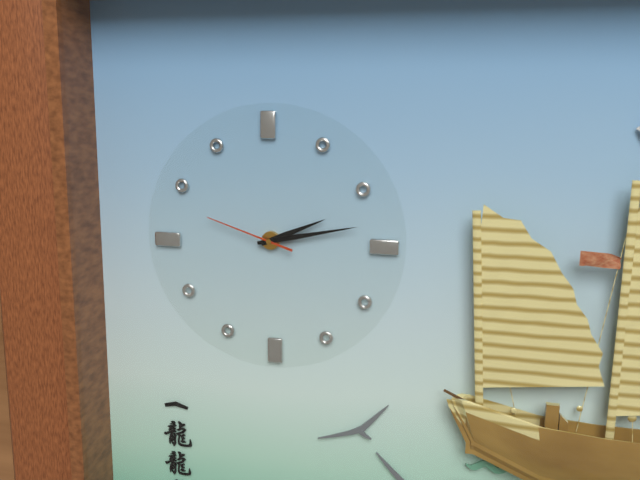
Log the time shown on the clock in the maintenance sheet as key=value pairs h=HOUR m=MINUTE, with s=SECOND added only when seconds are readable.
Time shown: h=2 m=13 s=48
